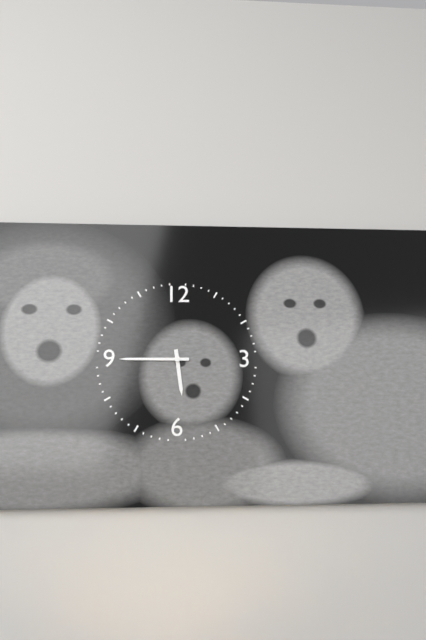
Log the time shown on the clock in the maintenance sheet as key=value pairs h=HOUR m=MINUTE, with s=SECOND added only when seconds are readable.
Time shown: h=5 m=45
